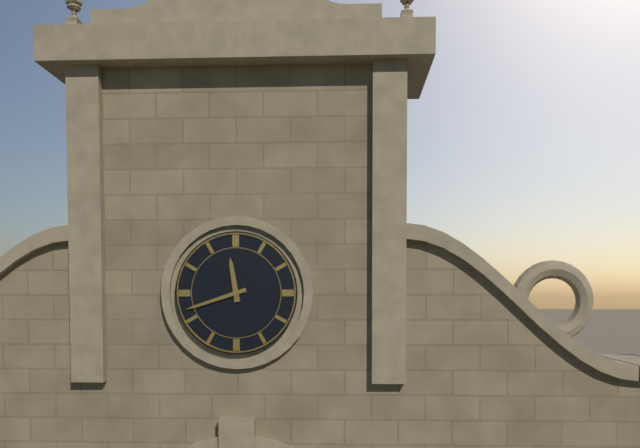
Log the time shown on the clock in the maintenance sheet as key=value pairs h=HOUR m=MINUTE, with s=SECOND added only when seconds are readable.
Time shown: h=11 m=42
